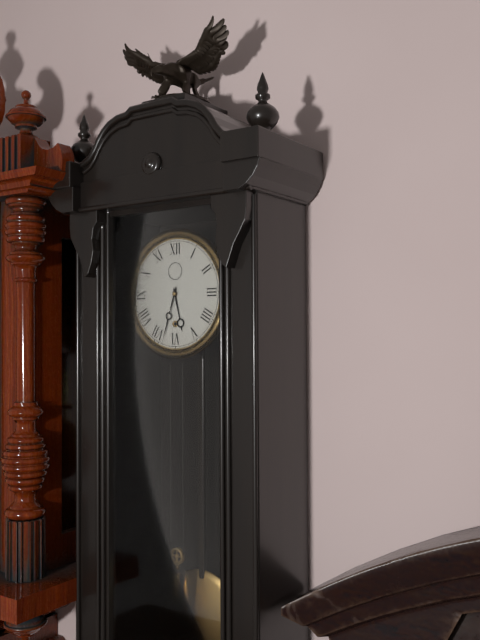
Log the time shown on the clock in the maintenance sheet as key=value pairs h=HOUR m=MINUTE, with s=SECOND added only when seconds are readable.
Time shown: h=5 m=33
